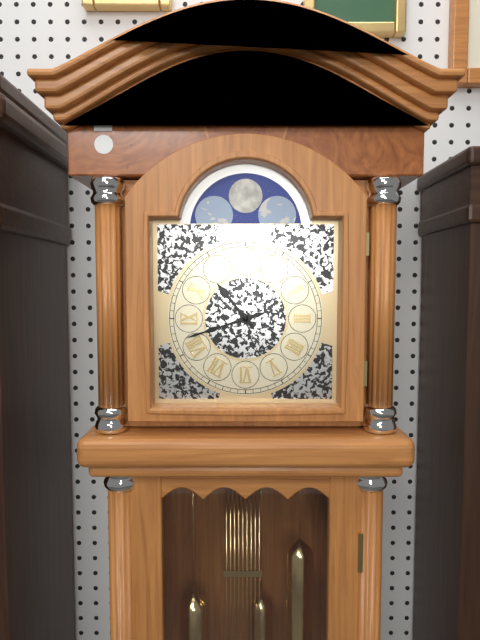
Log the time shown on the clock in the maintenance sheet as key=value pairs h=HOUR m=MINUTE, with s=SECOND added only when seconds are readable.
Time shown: h=10 m=42
